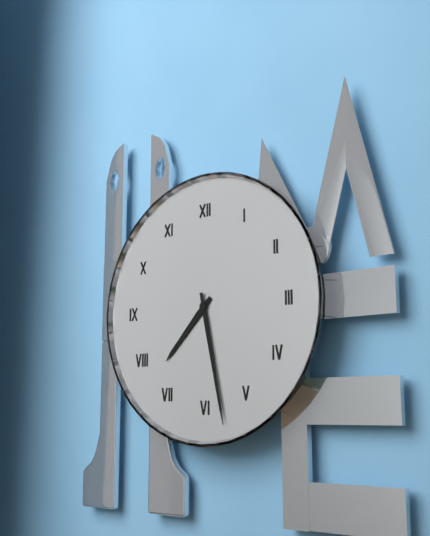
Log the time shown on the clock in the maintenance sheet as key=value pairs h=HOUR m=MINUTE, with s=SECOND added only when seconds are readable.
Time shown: h=7 m=28
